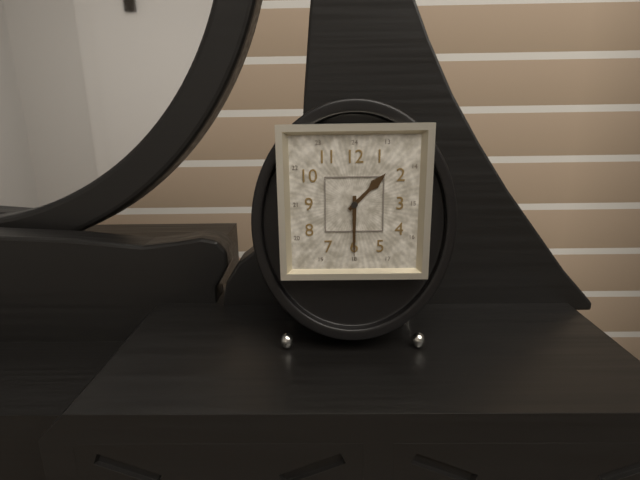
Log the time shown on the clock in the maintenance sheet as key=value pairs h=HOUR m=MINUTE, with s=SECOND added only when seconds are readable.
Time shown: h=1 m=30
